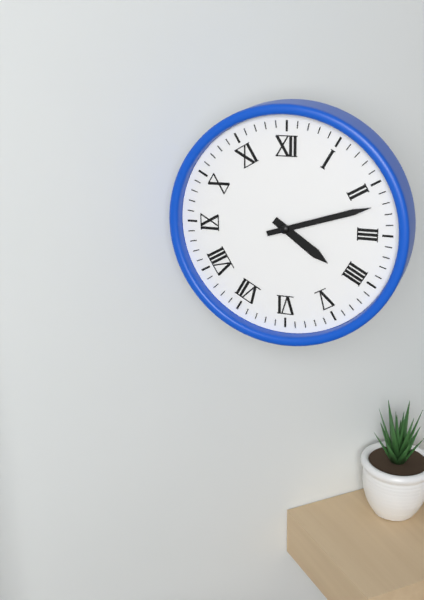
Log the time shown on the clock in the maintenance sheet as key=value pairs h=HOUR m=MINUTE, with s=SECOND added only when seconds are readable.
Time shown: h=4 m=12
